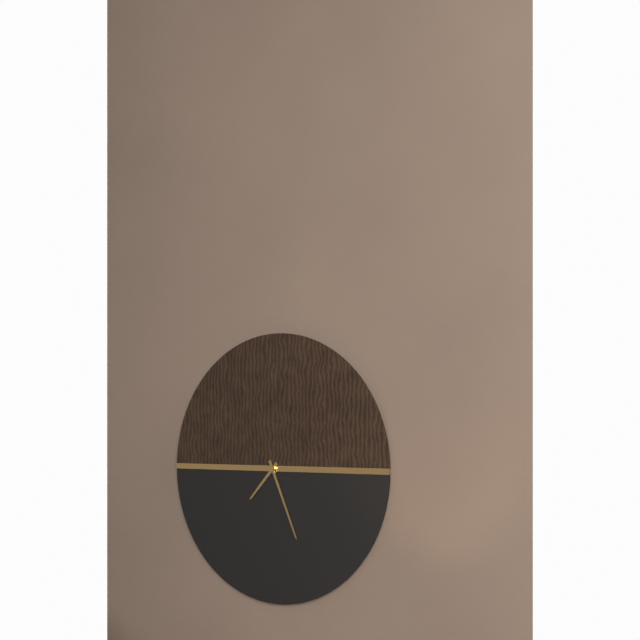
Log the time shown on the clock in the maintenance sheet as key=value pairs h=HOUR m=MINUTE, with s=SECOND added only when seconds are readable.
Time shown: h=7 m=26
